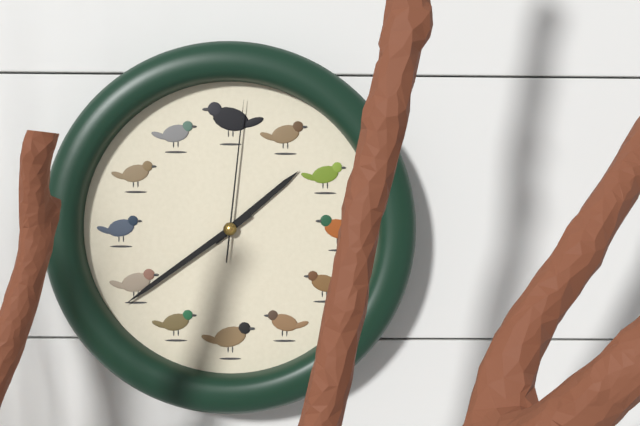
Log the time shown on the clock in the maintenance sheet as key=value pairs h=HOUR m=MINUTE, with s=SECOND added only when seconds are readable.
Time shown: h=1 m=39 s=1
